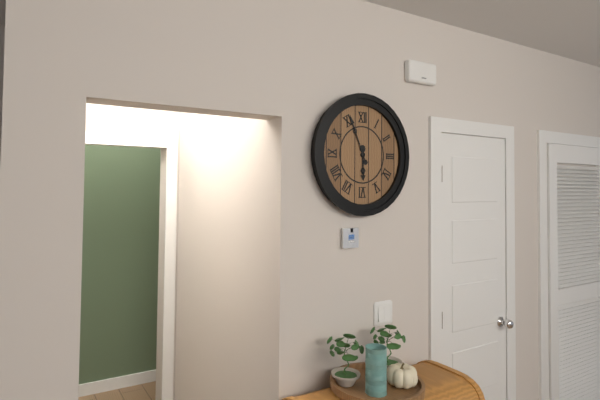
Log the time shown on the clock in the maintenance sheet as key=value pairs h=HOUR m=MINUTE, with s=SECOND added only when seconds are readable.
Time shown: h=5 m=56
